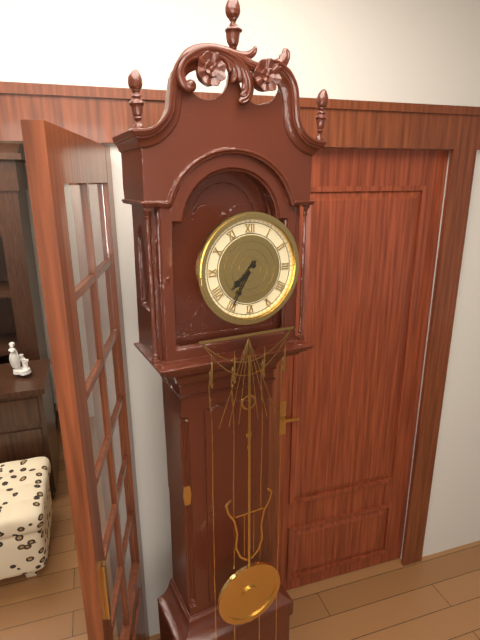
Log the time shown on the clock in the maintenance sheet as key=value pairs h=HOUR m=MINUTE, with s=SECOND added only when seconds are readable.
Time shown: h=7 m=35
